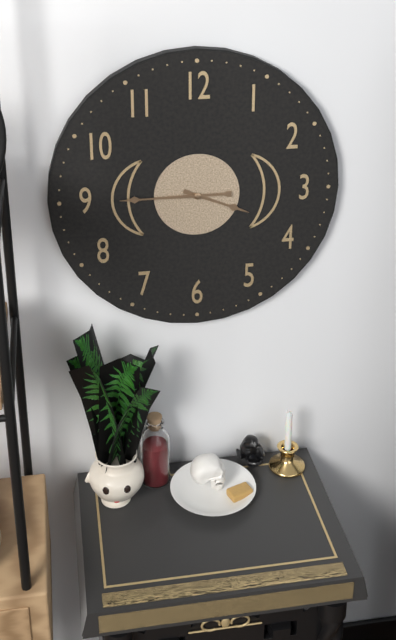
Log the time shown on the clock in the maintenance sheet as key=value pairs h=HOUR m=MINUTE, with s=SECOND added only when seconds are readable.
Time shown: h=3 m=45
